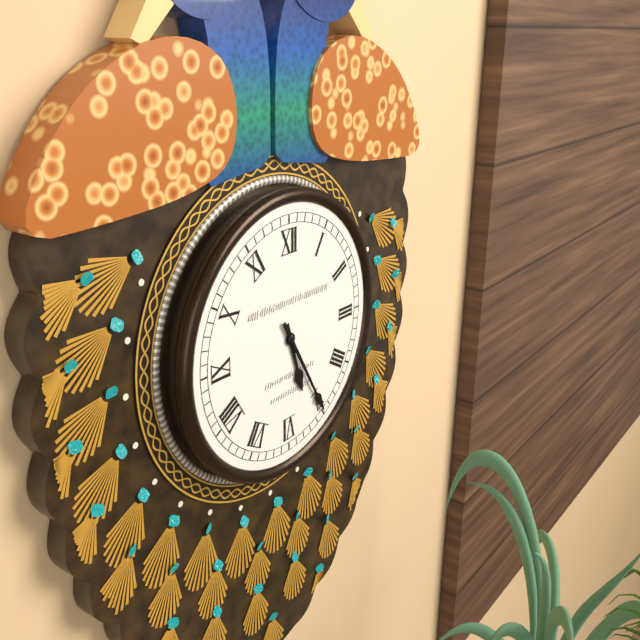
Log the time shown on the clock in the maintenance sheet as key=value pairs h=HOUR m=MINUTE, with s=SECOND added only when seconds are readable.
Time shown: h=5 m=25
